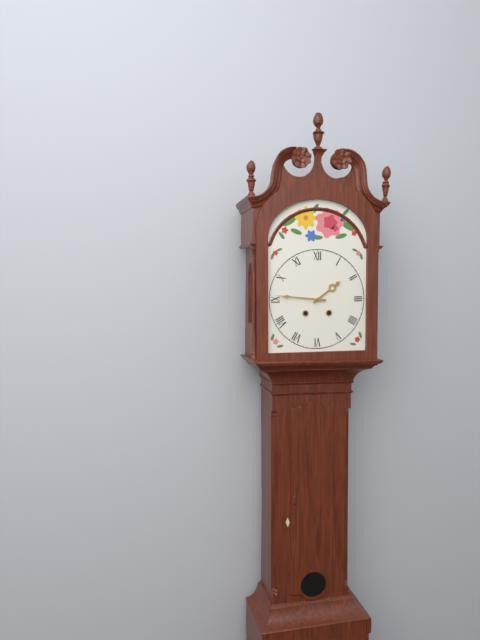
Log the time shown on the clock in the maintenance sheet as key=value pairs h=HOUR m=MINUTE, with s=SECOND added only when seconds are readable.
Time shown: h=1 m=46
